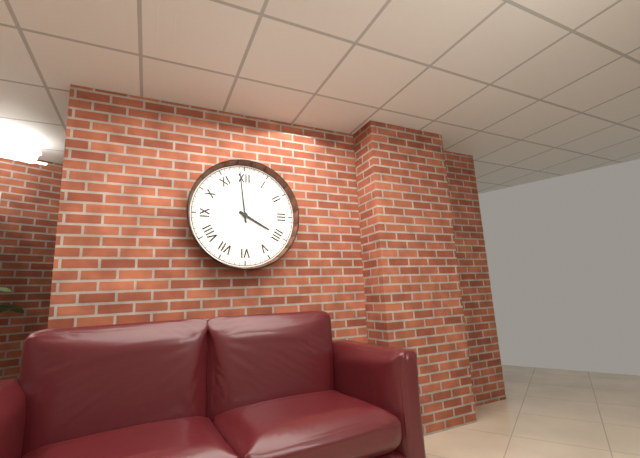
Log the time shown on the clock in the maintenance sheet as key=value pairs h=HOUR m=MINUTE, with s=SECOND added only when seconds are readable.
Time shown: h=3 m=59
